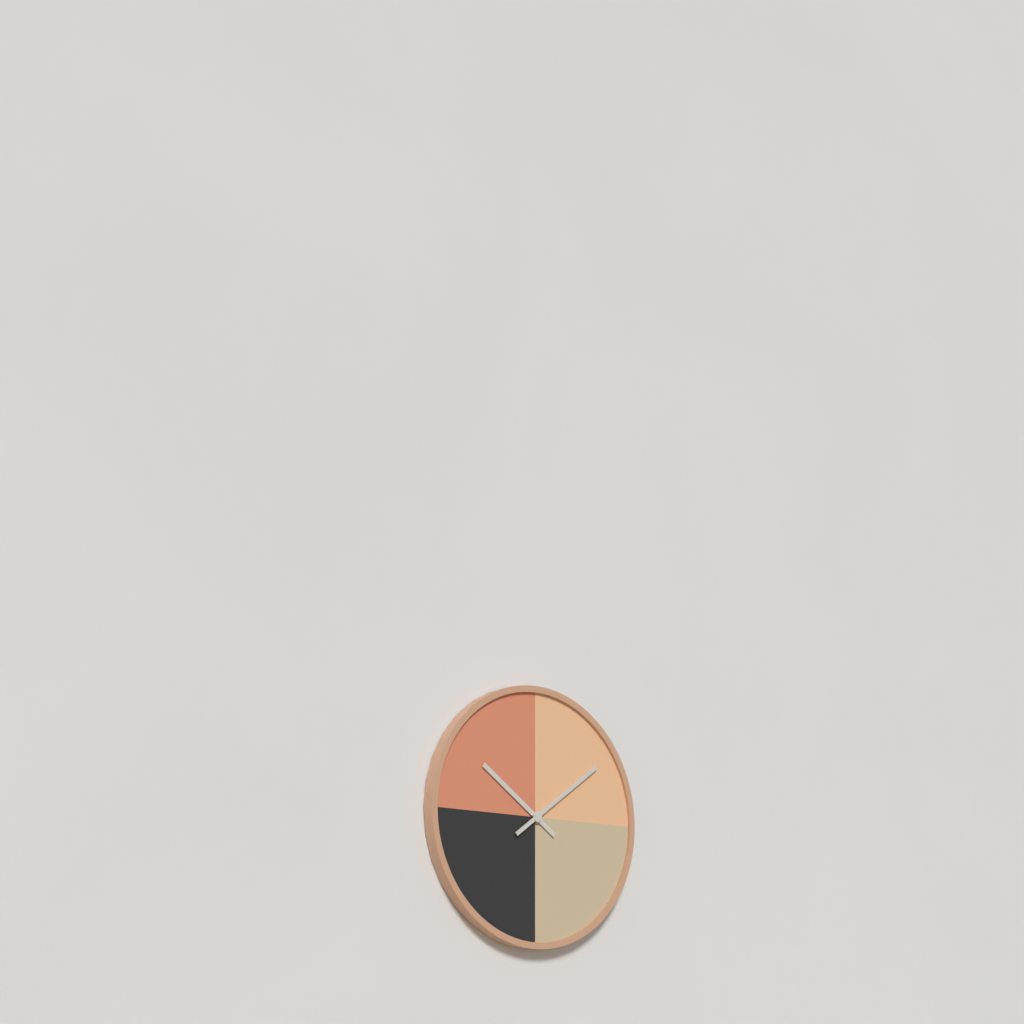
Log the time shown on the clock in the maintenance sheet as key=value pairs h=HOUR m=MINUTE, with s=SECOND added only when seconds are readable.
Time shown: h=10 m=9
